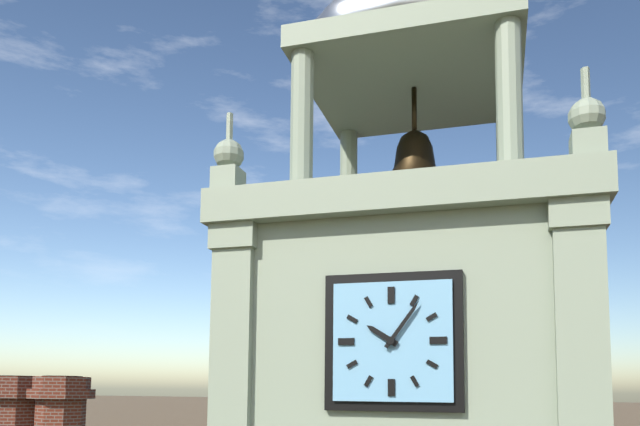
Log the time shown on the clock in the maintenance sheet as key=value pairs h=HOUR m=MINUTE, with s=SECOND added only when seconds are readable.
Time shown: h=10 m=6
